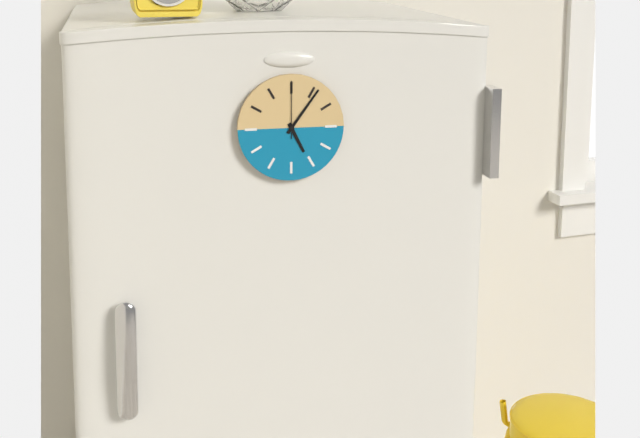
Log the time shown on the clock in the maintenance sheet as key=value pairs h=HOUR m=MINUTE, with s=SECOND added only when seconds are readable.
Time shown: h=5 m=6 s=0
